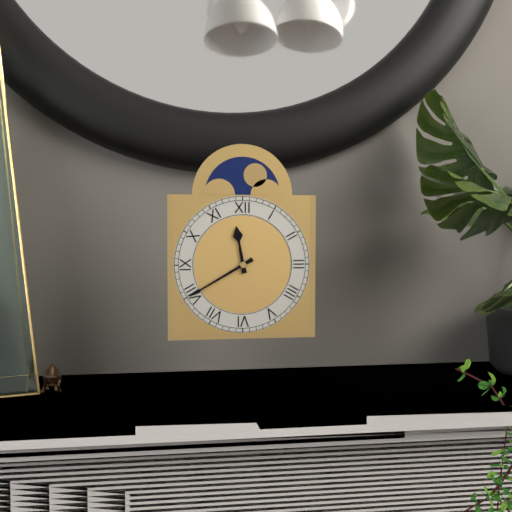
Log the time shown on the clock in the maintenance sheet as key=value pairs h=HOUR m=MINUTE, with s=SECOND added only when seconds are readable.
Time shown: h=11 m=40
